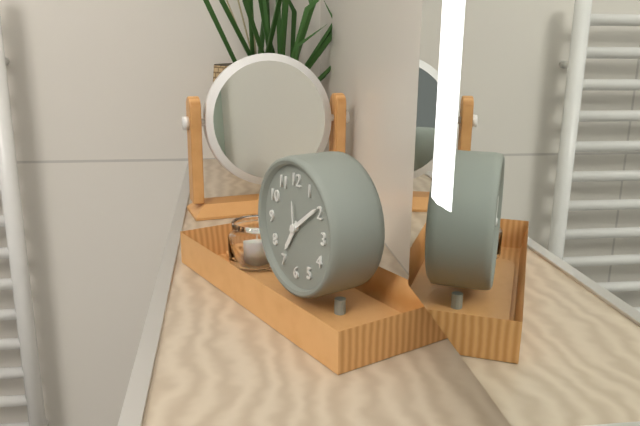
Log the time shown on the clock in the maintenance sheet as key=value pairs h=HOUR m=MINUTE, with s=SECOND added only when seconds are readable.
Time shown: h=7 m=9
